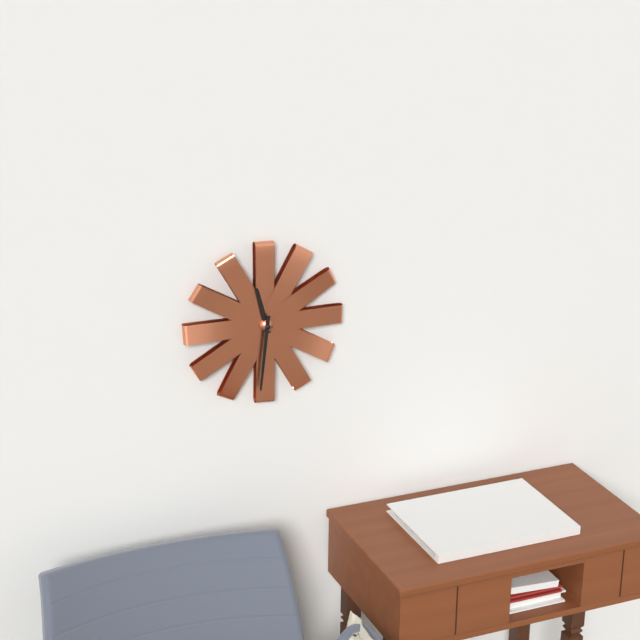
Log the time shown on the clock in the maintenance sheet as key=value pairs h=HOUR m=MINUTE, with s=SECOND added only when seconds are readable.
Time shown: h=11 m=31
